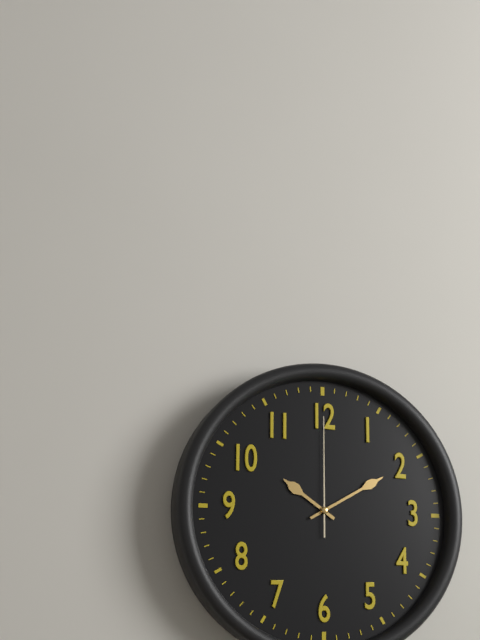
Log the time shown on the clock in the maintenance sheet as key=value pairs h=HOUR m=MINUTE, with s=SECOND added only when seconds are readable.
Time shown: h=10 m=10 s=0
